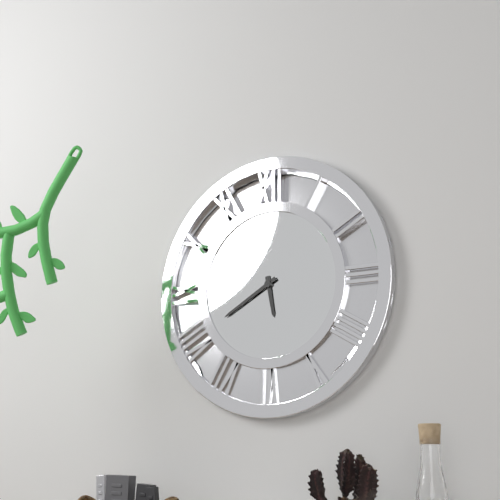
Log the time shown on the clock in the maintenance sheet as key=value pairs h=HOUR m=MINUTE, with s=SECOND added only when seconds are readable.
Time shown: h=5 m=40
